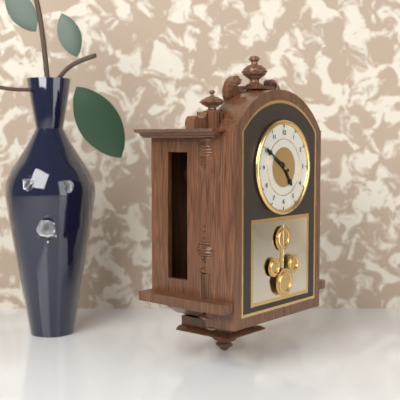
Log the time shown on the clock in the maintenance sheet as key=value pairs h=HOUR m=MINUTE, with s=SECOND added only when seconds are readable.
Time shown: h=4 m=50
